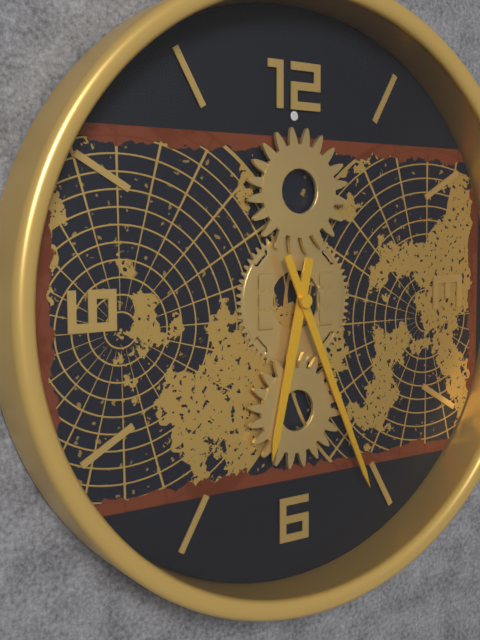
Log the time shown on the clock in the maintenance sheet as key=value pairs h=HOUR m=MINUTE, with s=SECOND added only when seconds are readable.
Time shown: h=6 m=26
